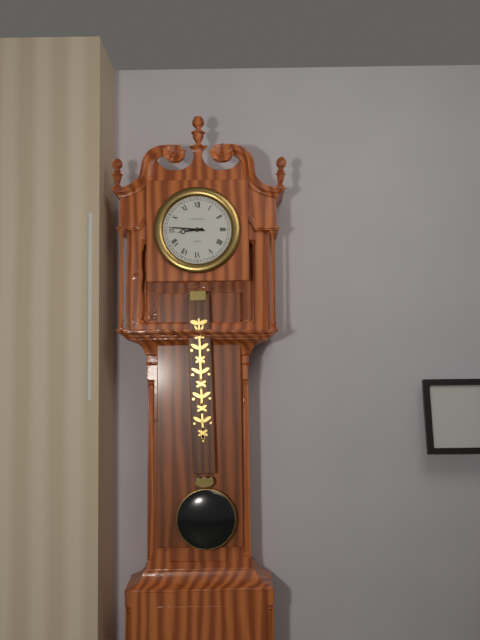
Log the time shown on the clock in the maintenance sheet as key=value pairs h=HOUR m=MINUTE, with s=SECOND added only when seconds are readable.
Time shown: h=8 m=46
